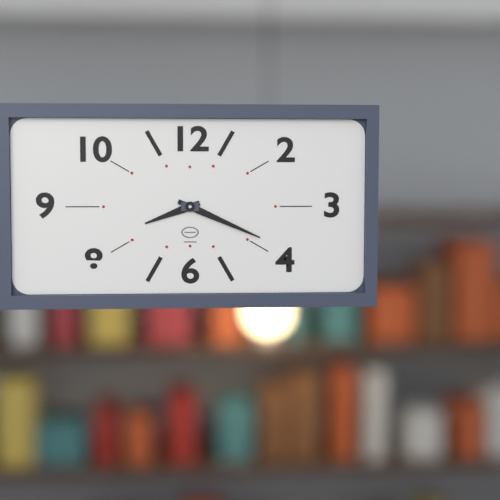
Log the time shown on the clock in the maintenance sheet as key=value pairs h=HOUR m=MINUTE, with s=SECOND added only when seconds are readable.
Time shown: h=8 m=19
